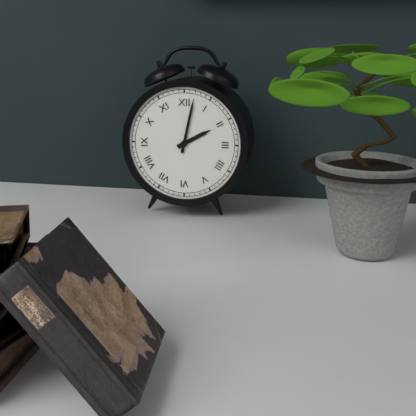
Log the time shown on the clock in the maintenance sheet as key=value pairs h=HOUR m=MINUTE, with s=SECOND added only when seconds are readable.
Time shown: h=2 m=2
